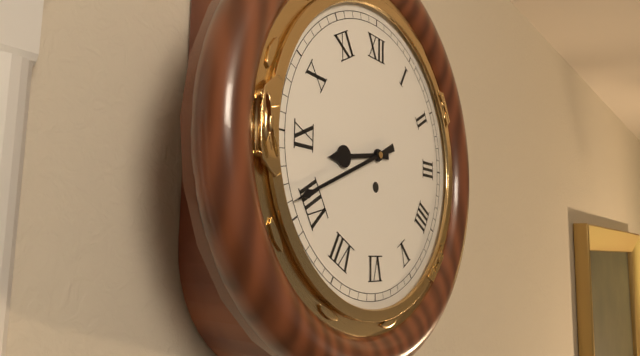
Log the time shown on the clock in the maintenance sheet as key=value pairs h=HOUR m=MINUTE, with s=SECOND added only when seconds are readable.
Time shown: h=8 m=41
